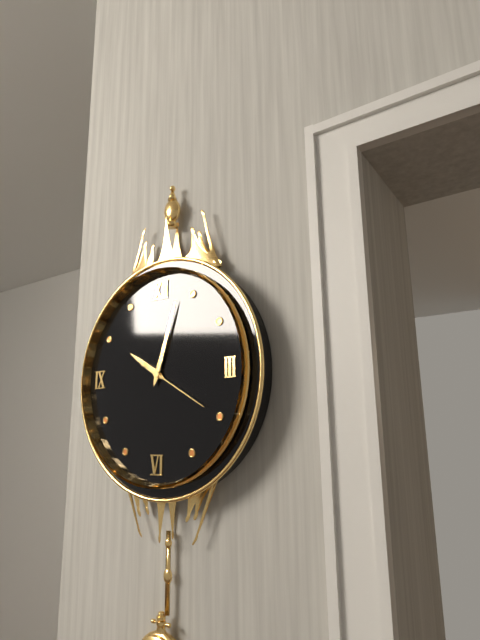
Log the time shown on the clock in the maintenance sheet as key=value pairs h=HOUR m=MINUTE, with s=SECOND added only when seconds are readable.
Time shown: h=10 m=3 s=20
